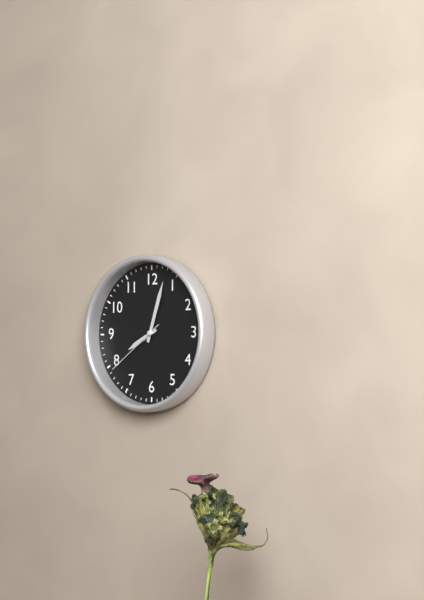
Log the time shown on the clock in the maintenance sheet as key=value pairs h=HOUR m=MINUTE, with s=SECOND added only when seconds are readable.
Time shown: h=8 m=3 s=39
